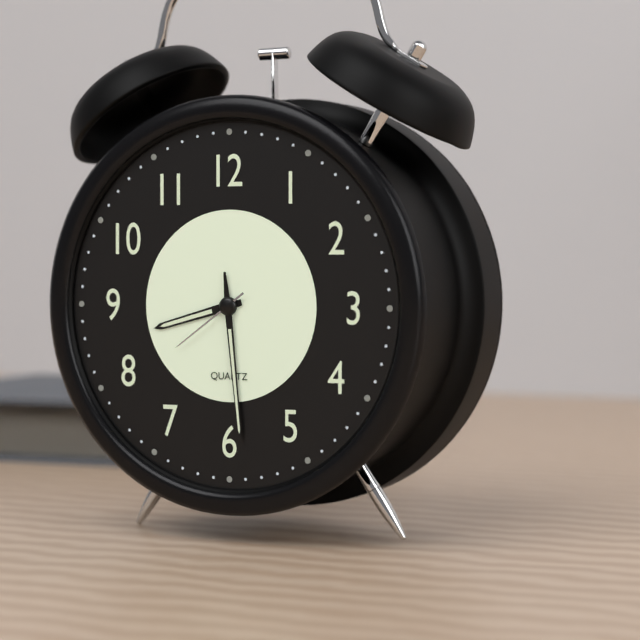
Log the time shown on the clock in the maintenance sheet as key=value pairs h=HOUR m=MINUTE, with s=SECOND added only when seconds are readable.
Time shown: h=8 m=29 s=39
